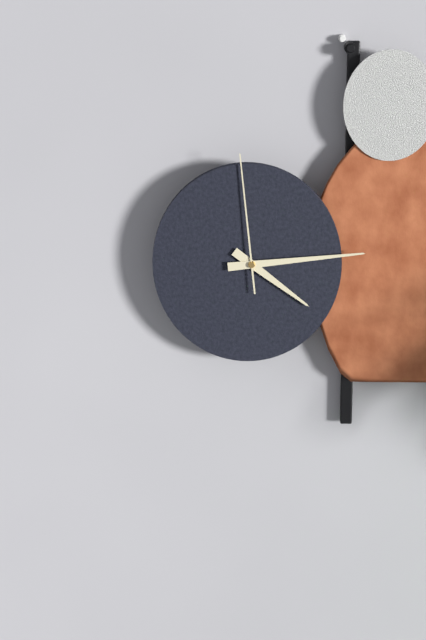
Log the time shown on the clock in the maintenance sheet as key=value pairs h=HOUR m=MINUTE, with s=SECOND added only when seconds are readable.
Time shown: h=4 m=14 s=59
